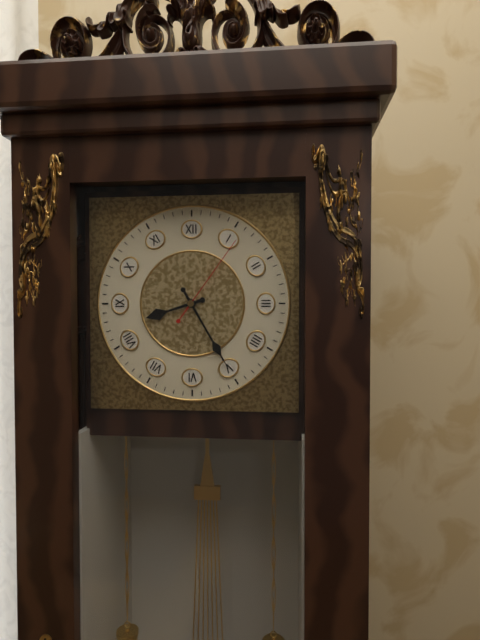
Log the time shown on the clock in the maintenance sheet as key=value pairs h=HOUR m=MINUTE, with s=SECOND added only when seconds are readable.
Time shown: h=8 m=25 s=6
